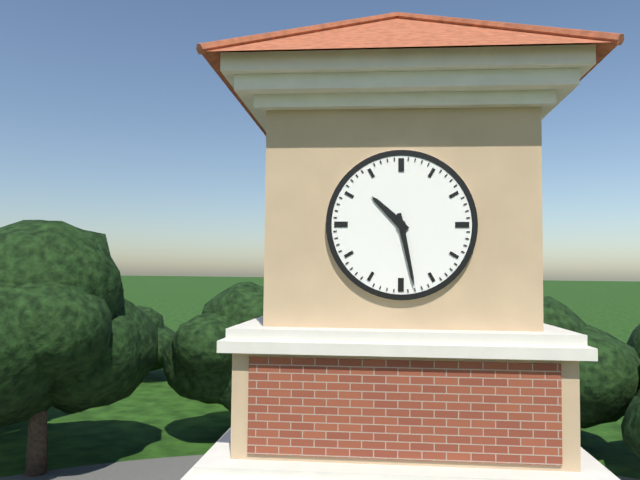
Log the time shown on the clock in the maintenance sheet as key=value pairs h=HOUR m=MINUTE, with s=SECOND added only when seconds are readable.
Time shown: h=10 m=28
